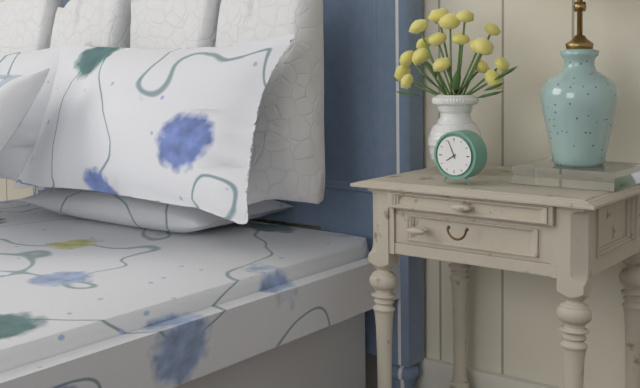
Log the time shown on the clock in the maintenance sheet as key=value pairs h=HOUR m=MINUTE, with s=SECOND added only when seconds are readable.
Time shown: h=7 m=56
